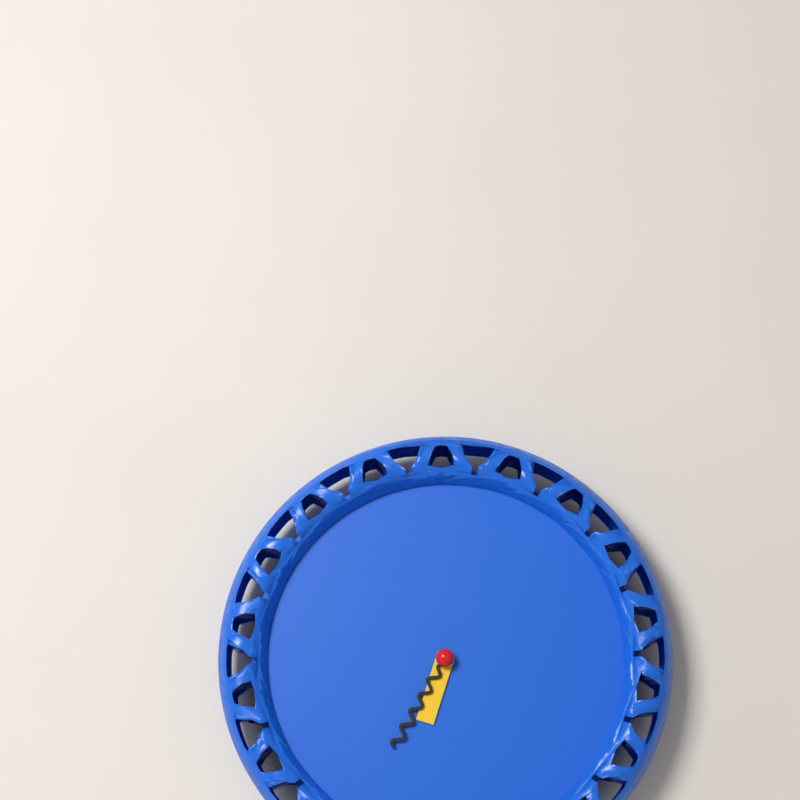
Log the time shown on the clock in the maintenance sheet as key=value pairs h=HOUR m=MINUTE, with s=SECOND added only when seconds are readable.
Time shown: h=6 m=35
